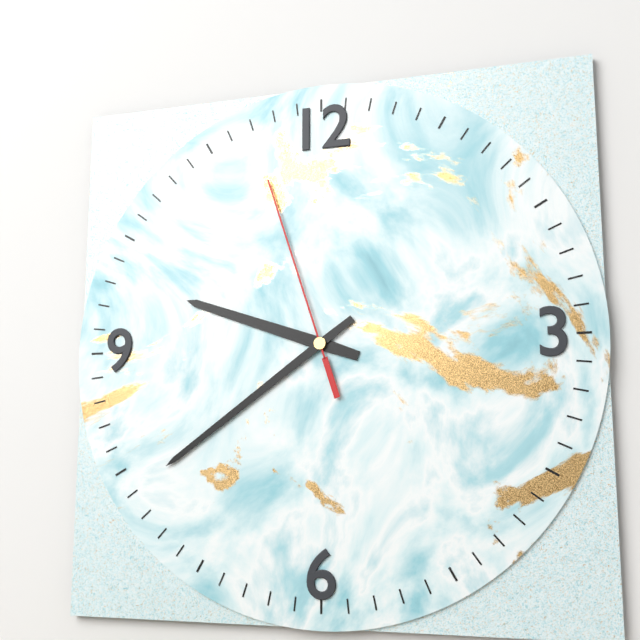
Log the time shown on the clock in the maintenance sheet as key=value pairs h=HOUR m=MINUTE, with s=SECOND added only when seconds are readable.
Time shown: h=9 m=39 s=57
